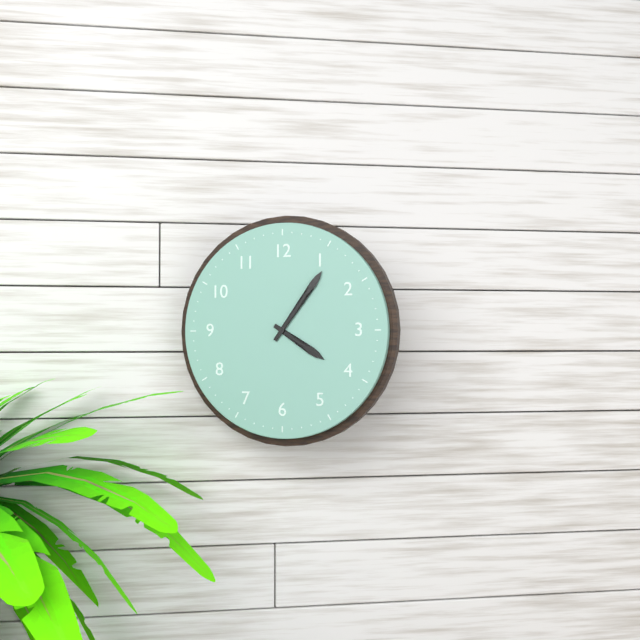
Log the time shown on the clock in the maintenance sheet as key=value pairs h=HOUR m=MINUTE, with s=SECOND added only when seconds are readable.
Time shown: h=4 m=6
